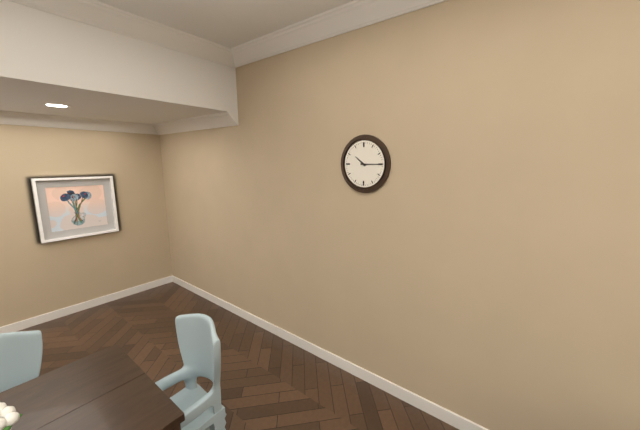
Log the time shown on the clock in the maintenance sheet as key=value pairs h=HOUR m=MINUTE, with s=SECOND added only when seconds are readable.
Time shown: h=10 m=15
